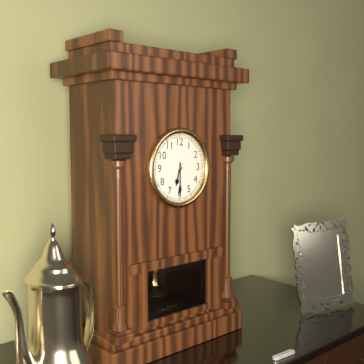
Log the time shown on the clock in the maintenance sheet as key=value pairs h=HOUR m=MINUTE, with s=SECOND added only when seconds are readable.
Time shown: h=6 m=30
